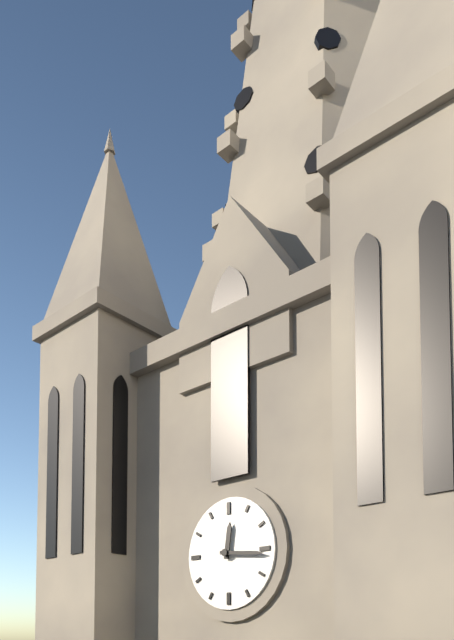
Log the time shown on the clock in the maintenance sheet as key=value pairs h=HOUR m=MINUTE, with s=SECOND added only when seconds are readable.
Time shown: h=12 m=16
